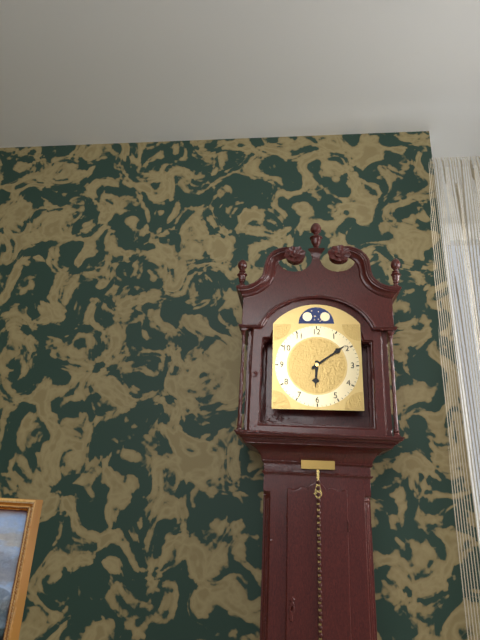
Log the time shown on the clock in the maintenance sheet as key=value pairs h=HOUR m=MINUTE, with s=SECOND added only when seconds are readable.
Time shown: h=6 m=9
